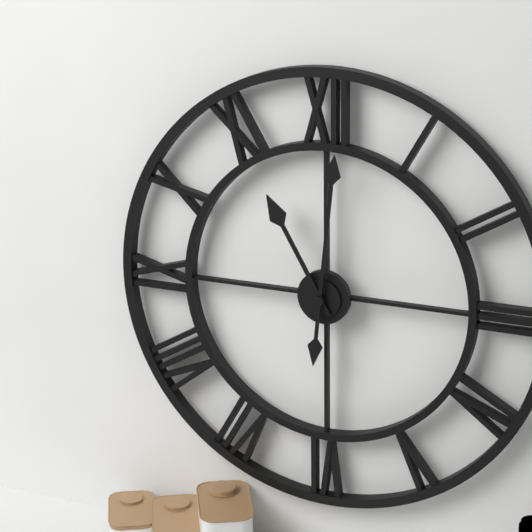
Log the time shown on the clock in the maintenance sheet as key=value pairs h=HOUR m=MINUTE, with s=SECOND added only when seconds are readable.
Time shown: h=11 m=1
